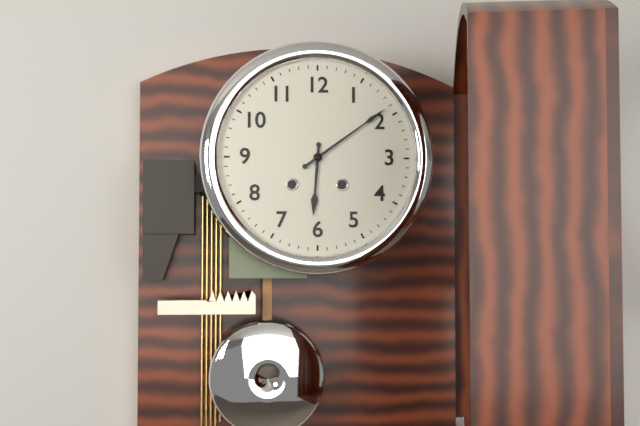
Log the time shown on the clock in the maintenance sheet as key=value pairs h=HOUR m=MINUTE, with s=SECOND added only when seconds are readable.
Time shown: h=6 m=9
